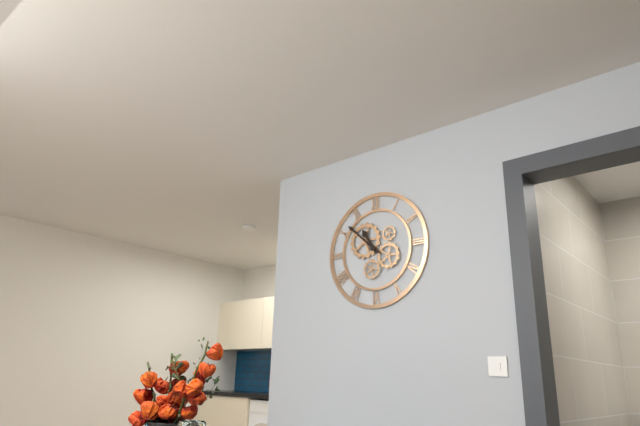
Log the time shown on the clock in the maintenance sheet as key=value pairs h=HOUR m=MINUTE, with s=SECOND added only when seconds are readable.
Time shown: h=10 m=52
